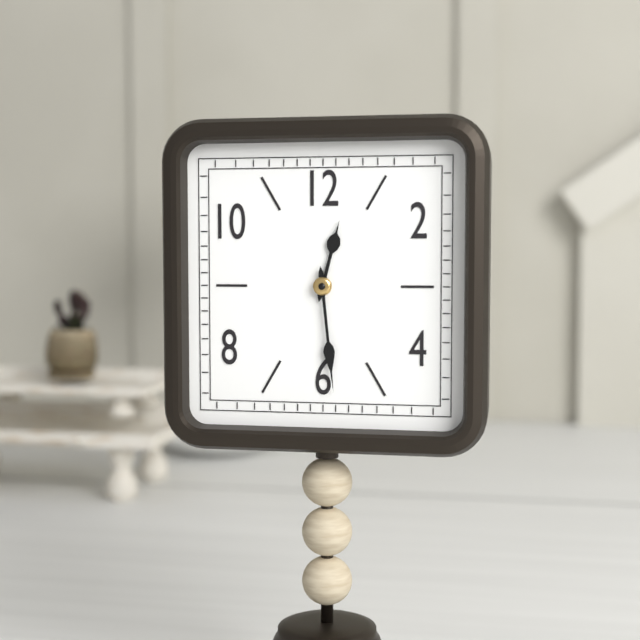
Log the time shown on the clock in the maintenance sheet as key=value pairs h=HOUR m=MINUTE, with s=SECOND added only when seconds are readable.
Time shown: h=12 m=29
